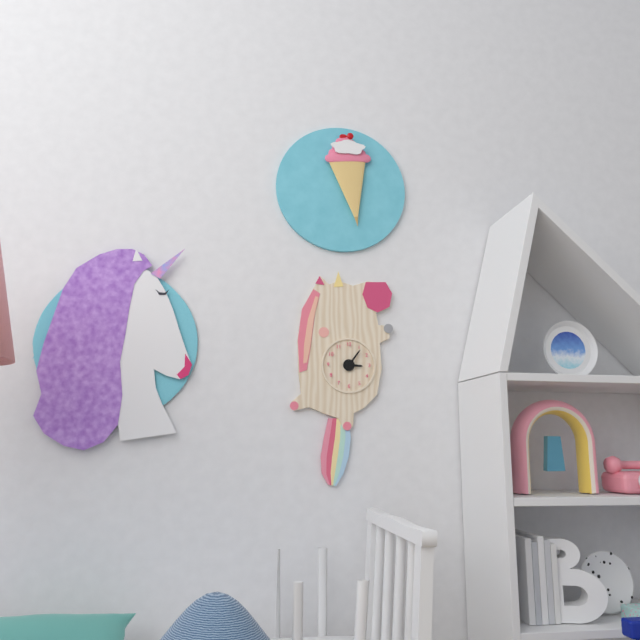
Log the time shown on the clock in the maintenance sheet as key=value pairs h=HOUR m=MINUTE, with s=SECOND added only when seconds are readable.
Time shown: h=3 m=6
